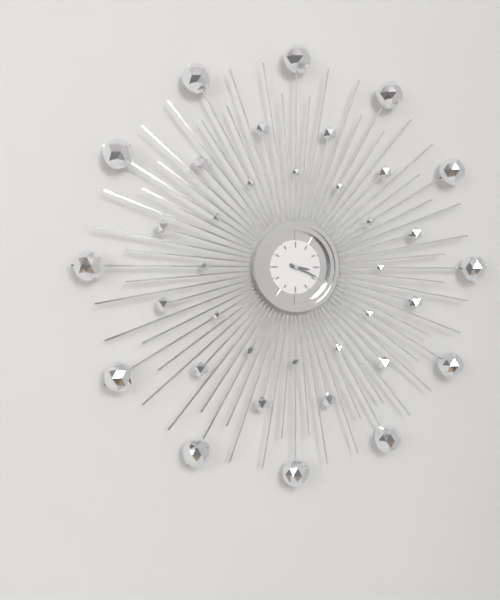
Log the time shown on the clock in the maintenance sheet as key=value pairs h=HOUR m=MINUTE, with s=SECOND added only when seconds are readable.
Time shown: h=3 m=19
